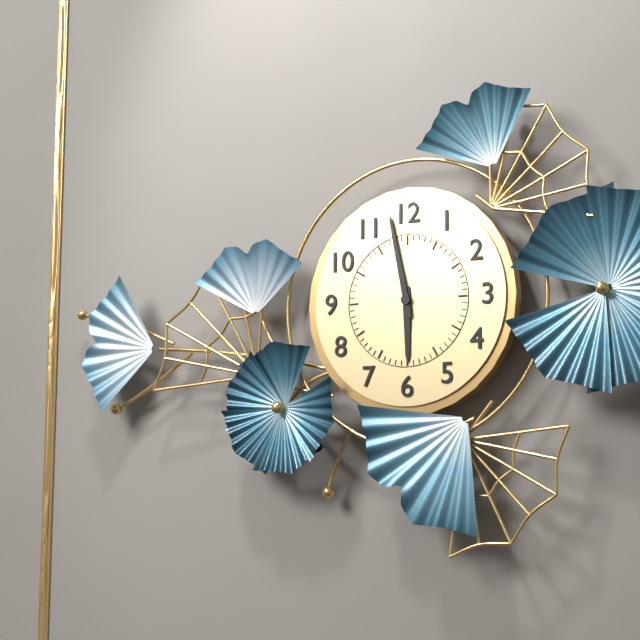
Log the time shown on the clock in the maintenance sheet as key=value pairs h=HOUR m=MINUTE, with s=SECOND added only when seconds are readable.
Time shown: h=5 m=58
